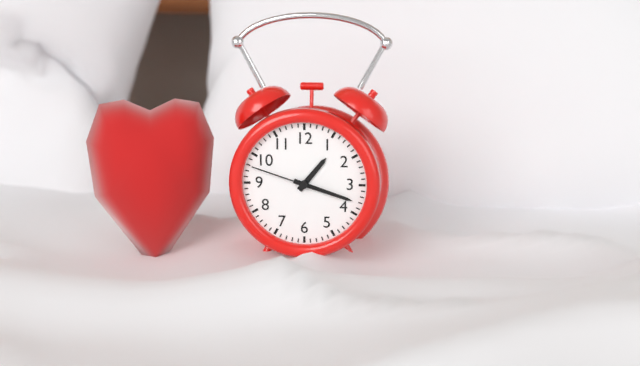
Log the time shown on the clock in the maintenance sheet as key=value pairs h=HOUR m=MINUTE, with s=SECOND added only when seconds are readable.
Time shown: h=1 m=18 s=48
